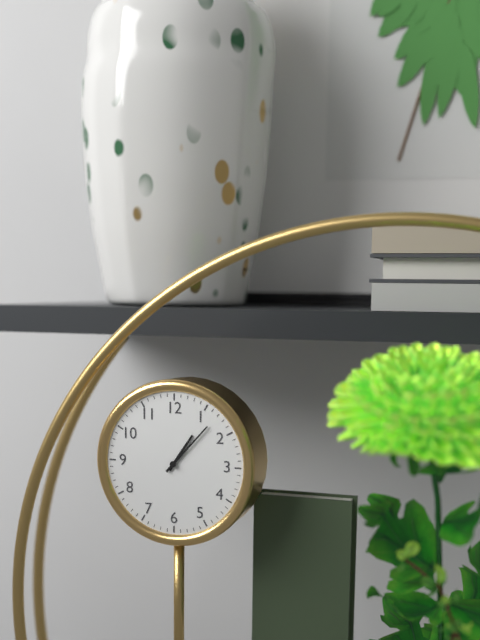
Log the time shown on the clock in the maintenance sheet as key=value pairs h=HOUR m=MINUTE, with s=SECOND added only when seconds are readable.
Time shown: h=1 m=7
